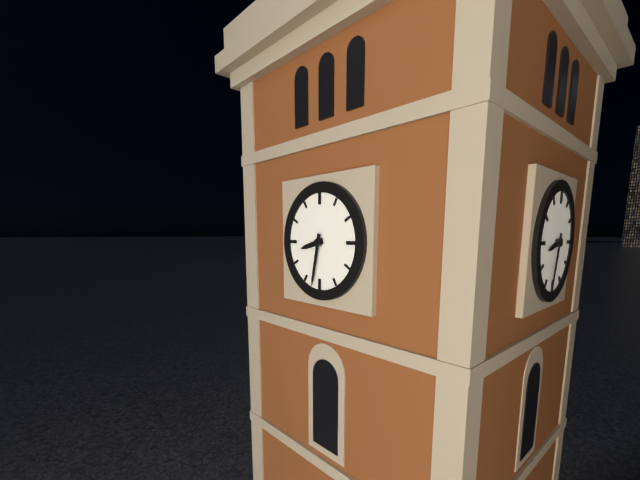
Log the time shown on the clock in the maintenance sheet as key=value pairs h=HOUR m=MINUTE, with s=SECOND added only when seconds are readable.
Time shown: h=8 m=32
